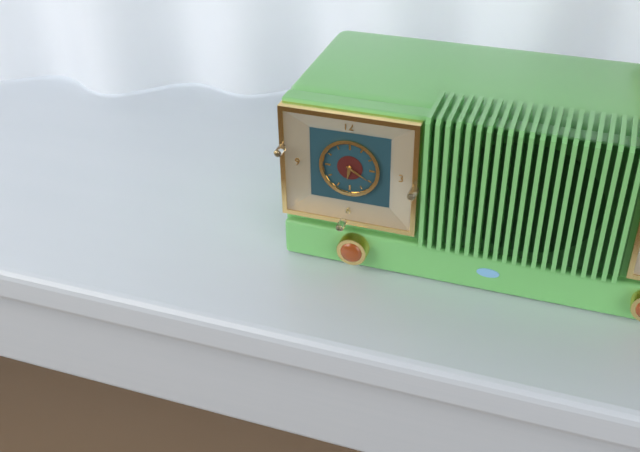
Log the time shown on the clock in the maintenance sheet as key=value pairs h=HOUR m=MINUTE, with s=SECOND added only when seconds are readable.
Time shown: h=6 m=20
